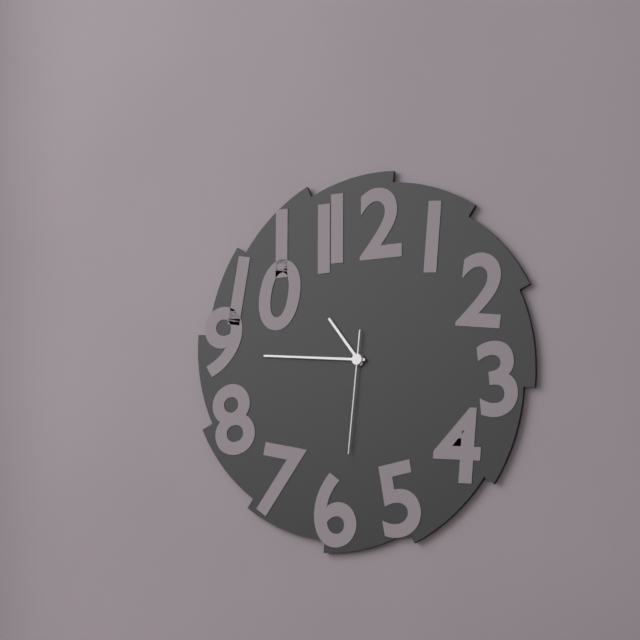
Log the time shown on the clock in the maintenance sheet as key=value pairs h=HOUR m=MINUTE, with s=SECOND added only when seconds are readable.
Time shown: h=10 m=46 s=31
